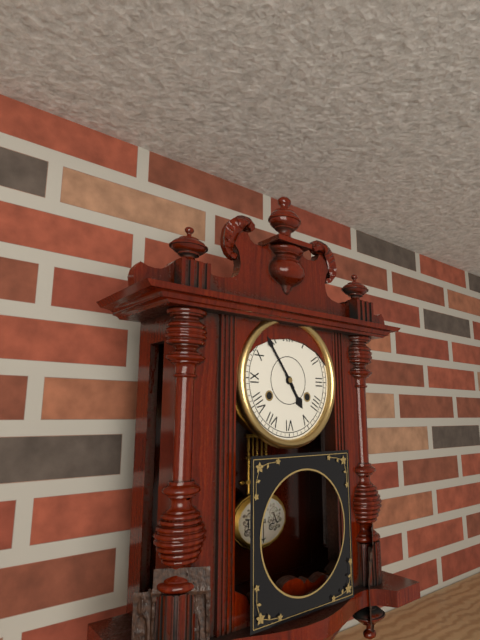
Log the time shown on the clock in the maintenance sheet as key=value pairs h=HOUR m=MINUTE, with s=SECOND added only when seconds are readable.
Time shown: h=4 m=54
